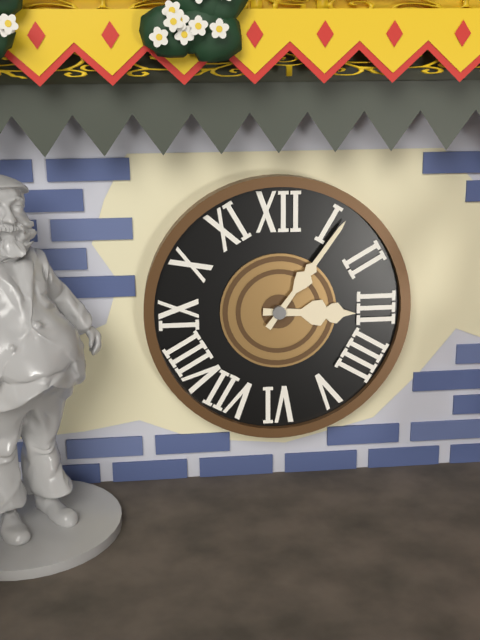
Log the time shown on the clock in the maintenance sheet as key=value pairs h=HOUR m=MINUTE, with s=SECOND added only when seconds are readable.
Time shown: h=3 m=6
